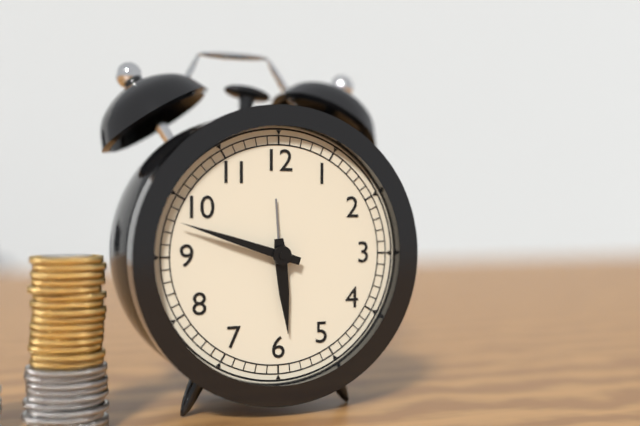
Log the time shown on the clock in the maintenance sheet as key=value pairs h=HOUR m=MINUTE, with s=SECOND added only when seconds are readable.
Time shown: h=5 m=48
